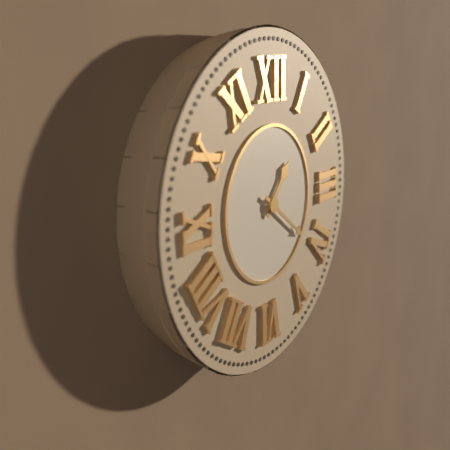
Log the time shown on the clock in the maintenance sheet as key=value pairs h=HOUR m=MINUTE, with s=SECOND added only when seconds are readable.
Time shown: h=1 m=21
